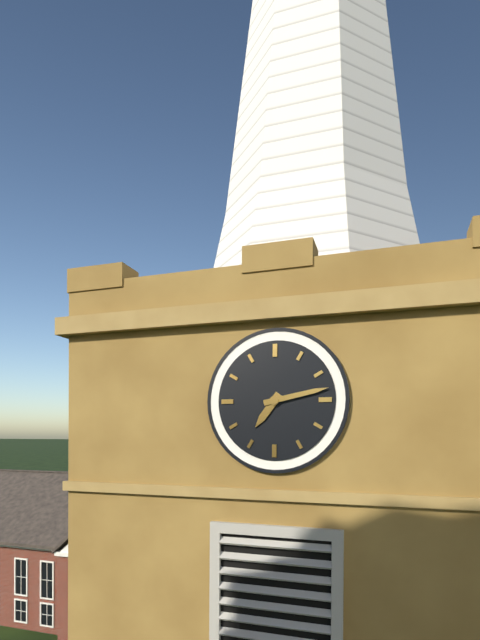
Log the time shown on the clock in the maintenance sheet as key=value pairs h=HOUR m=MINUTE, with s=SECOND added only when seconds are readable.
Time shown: h=7 m=13
